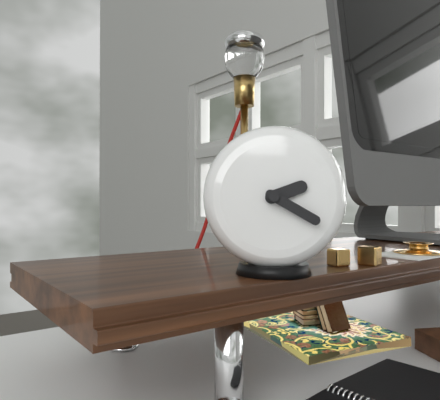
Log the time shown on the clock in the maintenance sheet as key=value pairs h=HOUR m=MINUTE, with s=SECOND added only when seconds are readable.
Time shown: h=2 m=20
